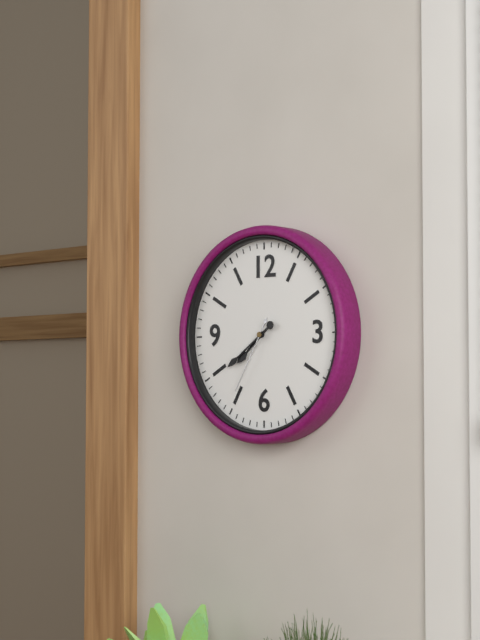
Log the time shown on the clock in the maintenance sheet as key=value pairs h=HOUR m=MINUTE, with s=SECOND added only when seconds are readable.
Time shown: h=7 m=39 s=35
